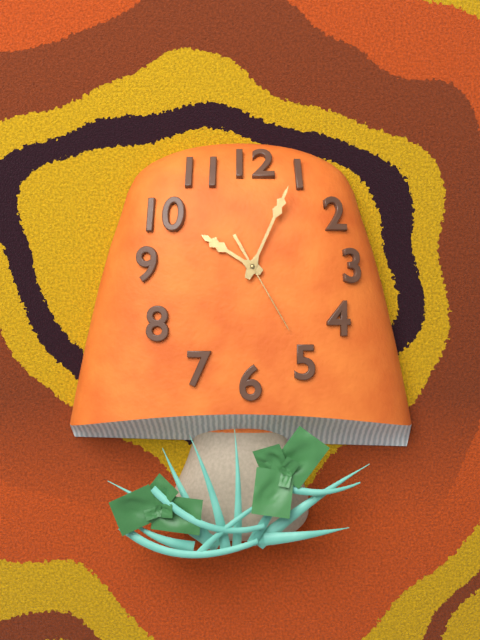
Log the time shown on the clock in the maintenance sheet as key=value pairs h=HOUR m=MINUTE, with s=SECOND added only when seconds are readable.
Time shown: h=10 m=4 s=25
